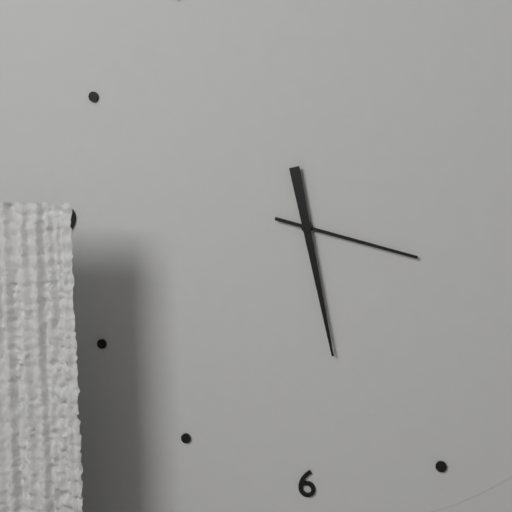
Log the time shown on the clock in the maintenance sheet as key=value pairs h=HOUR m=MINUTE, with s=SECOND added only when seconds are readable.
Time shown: h=3 m=28
